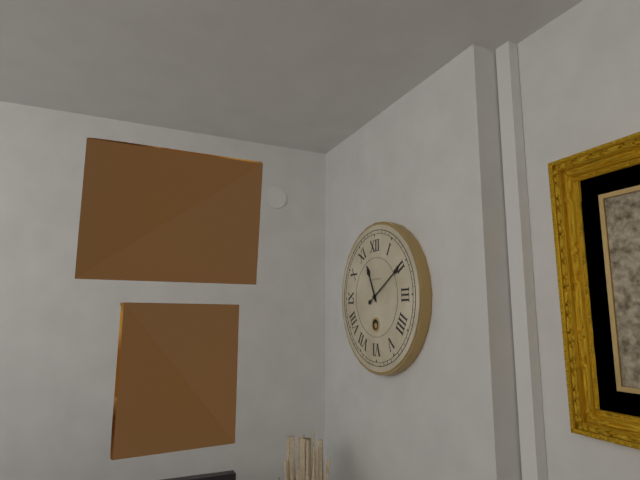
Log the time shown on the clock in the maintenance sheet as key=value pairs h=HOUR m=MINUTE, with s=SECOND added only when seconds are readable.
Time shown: h=11 m=10
